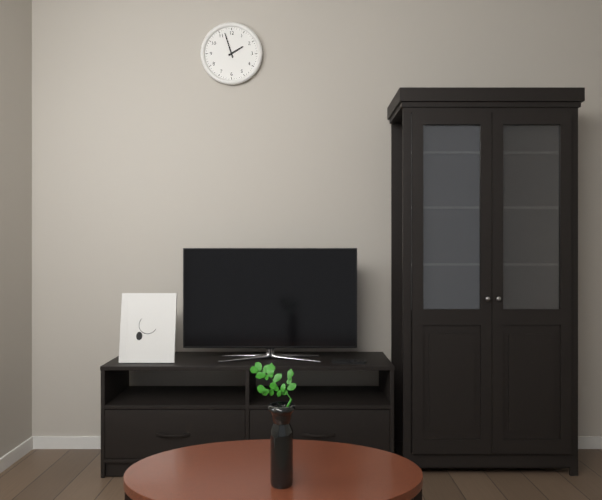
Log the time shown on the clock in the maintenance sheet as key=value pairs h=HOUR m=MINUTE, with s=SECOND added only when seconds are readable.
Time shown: h=1 m=57
